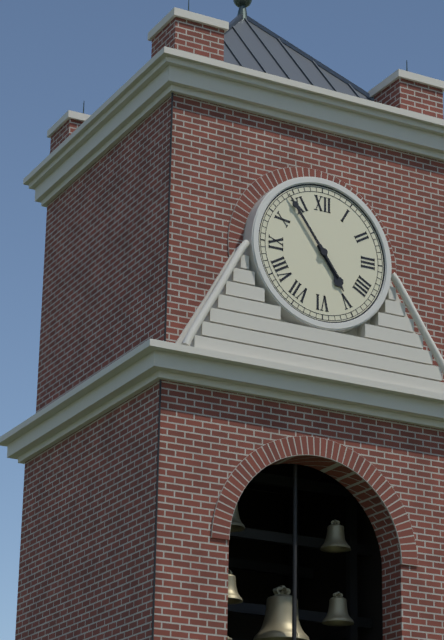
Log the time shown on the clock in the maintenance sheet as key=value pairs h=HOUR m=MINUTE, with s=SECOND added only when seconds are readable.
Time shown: h=4 m=54
